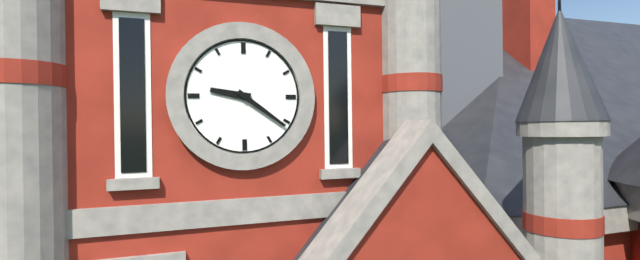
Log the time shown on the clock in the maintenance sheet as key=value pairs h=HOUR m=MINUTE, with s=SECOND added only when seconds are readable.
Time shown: h=9 m=21
